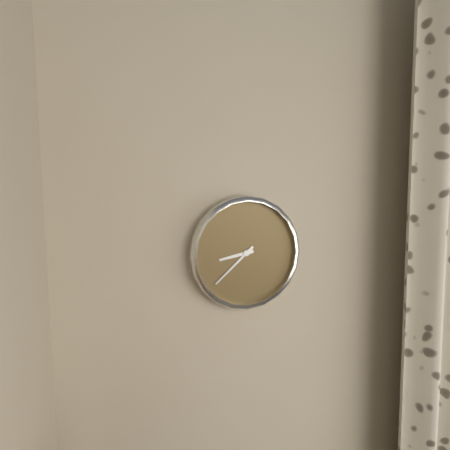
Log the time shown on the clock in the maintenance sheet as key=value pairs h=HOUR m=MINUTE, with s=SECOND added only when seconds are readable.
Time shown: h=8 m=38
